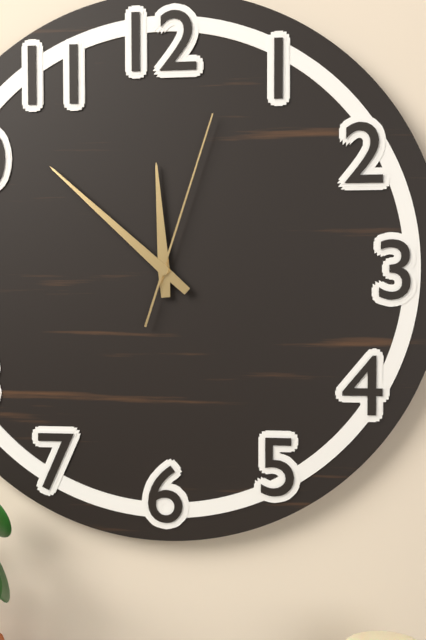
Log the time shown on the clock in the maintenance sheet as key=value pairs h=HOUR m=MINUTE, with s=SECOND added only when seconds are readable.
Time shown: h=11 m=52 s=3
